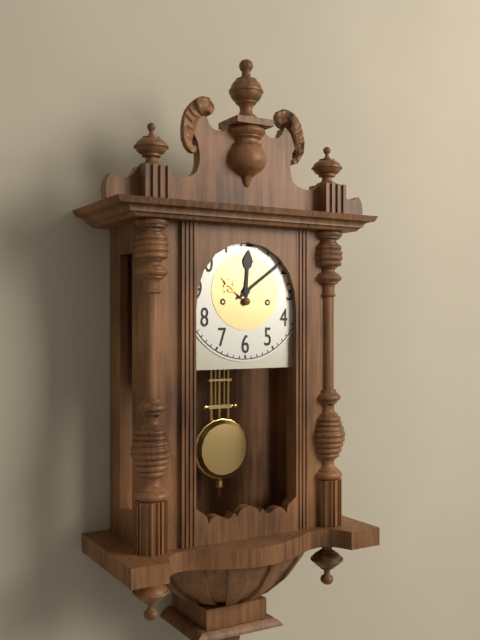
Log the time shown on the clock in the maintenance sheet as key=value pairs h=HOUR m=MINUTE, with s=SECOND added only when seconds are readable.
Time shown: h=12 m=9
